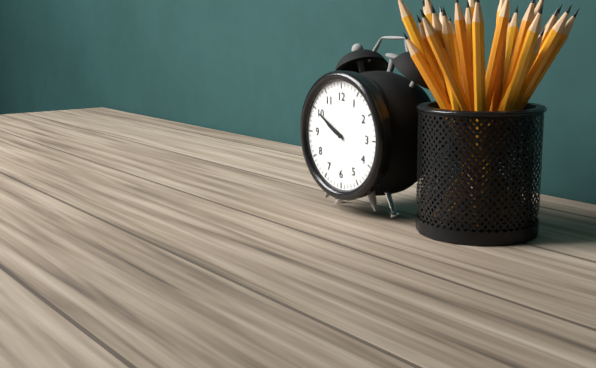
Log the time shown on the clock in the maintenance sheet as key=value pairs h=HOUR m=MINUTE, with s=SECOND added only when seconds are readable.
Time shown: h=9 m=50
